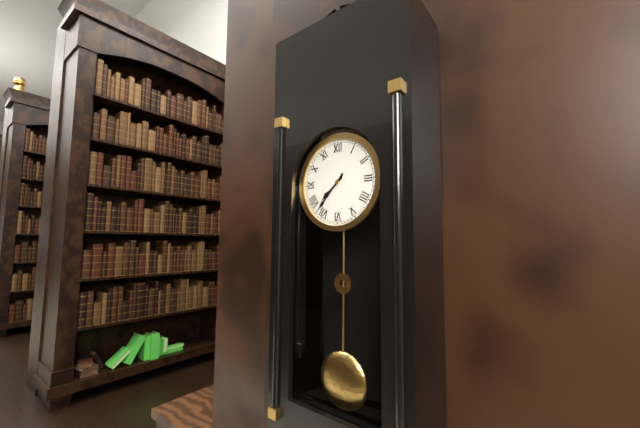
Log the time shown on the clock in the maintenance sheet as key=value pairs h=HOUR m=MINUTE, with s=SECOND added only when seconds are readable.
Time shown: h=7 m=37
